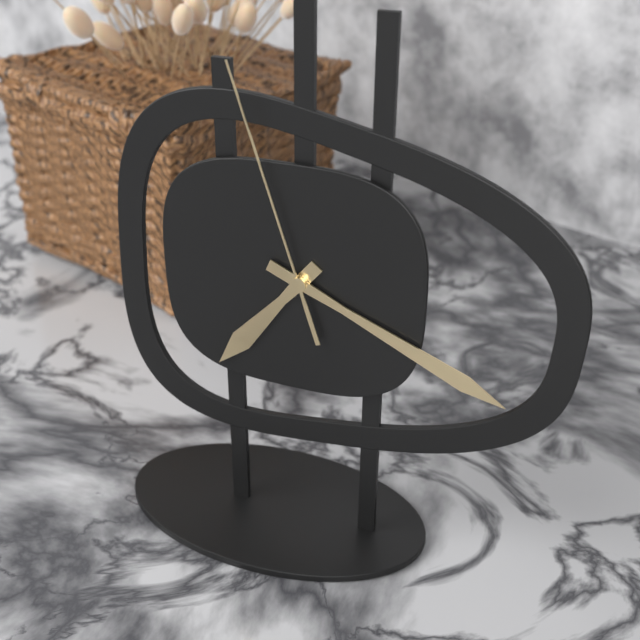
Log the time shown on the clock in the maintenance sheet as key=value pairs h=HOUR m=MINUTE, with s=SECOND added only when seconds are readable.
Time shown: h=7 m=19 s=57
